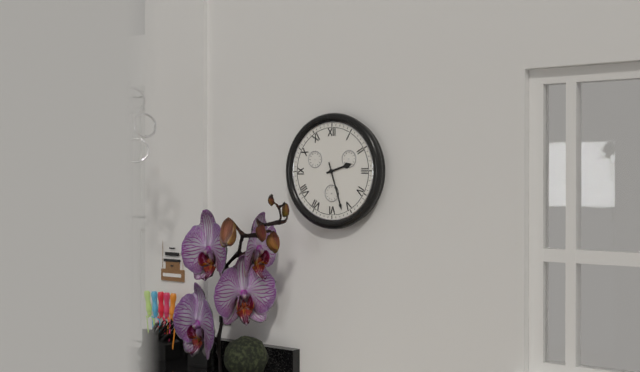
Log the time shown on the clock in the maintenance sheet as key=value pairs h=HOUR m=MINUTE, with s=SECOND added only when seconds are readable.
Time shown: h=2 m=27
